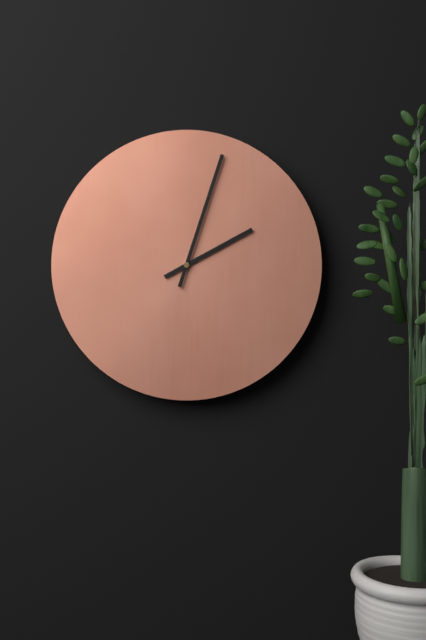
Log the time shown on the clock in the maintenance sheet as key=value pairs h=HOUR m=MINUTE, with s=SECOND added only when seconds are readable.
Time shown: h=2 m=3
